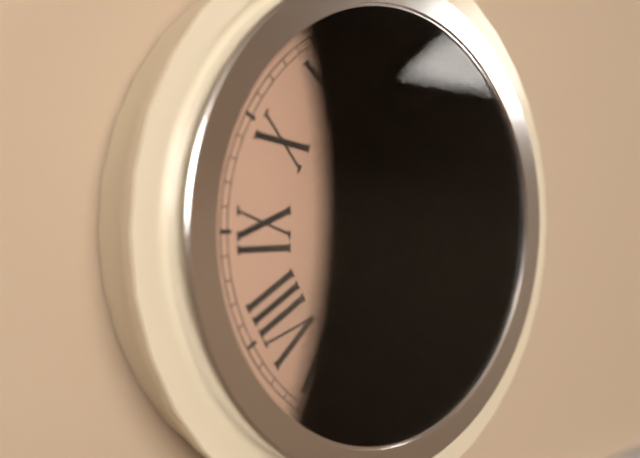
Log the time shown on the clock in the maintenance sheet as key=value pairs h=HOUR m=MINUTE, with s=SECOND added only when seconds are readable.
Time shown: h=6 m=0
